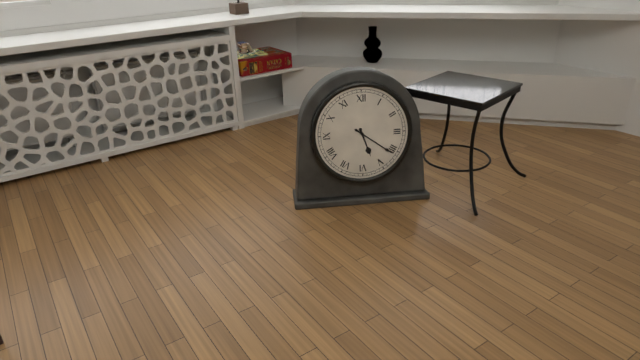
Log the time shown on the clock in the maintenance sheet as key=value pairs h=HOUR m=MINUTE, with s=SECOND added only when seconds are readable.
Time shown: h=5 m=21
